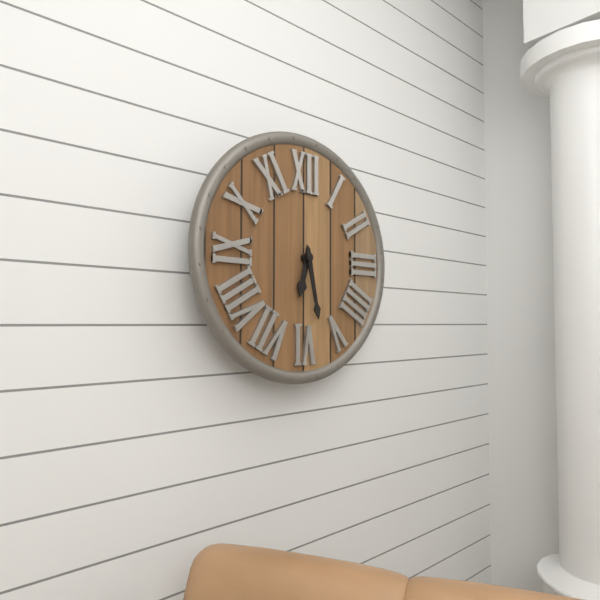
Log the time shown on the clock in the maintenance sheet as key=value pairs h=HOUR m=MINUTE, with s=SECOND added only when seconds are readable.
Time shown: h=6 m=28
